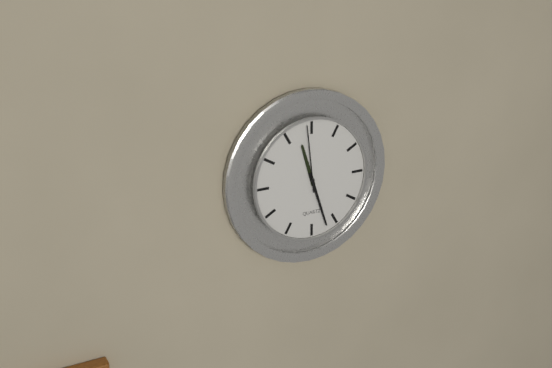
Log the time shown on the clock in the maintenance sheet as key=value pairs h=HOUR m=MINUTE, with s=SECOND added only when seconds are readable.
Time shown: h=11 m=27 s=59
